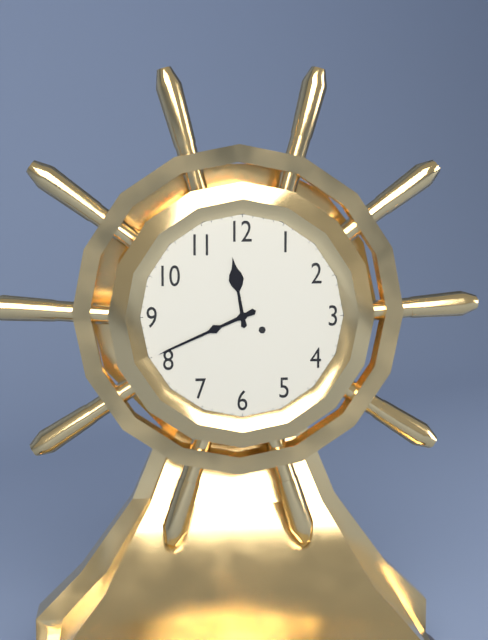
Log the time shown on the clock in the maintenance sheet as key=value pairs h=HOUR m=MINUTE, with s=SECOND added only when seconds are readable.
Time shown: h=11 m=41
